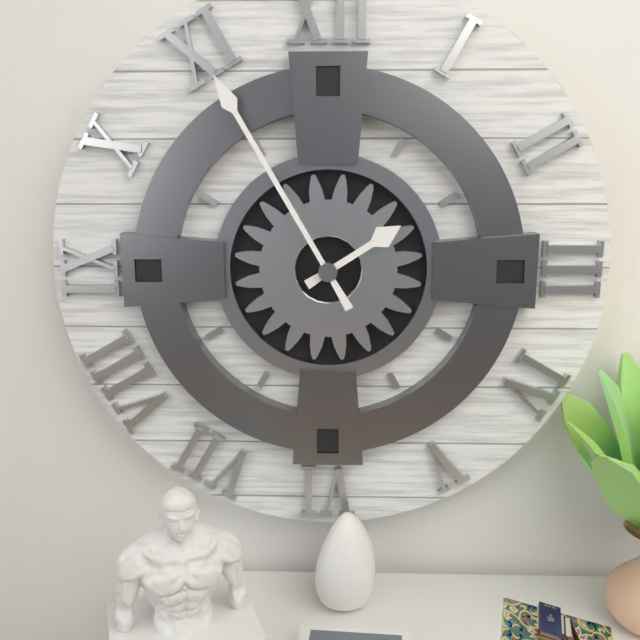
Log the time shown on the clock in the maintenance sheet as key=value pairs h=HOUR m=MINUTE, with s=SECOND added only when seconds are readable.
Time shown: h=1 m=55
